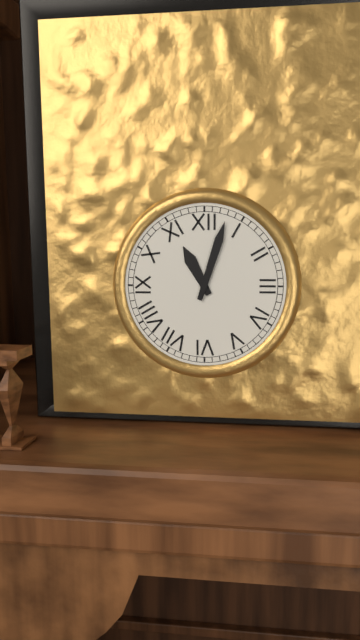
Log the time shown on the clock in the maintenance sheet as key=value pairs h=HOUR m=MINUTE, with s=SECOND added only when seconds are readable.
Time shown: h=11 m=3
